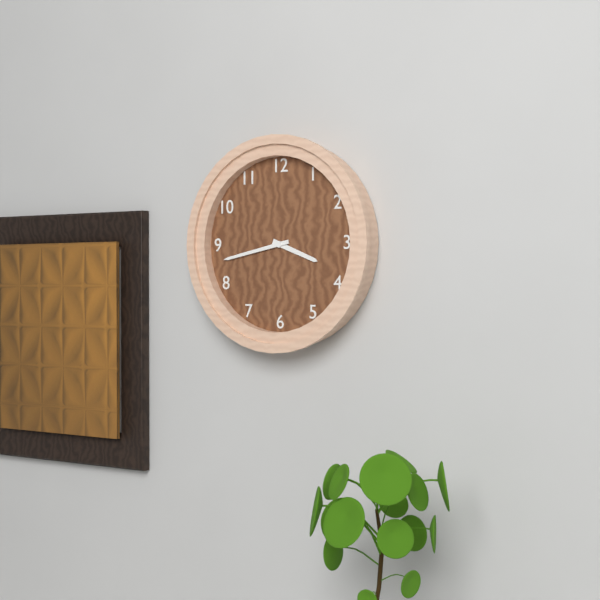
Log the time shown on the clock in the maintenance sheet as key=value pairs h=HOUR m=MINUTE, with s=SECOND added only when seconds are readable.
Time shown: h=3 m=43
